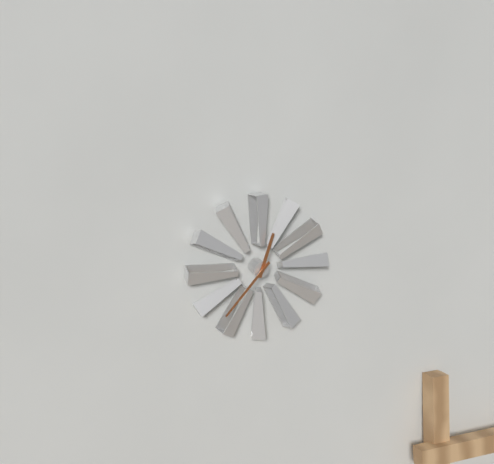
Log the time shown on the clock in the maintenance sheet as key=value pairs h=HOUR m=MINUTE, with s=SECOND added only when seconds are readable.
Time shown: h=12 m=37
